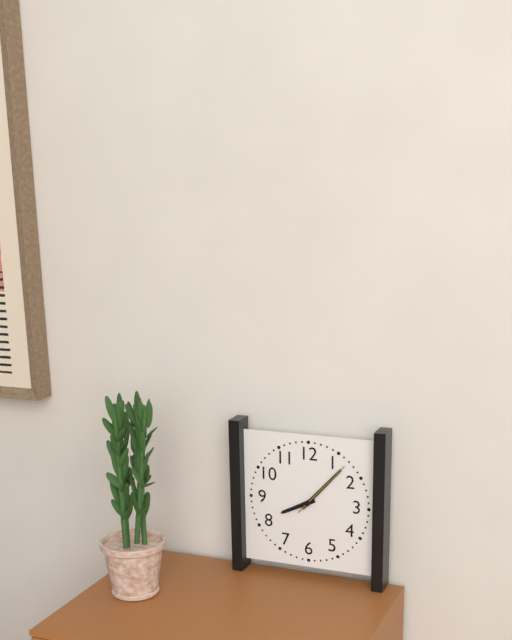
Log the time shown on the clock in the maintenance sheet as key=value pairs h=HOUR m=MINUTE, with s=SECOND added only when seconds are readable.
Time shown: h=8 m=7 s=7
